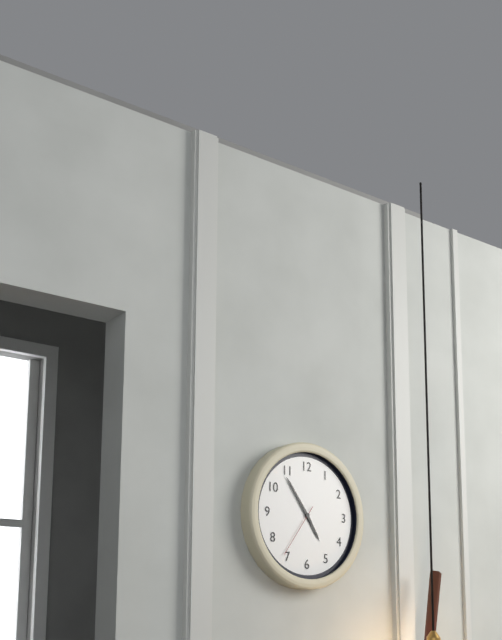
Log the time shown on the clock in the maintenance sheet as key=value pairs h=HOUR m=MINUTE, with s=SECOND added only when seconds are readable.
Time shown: h=4 m=54 s=36
